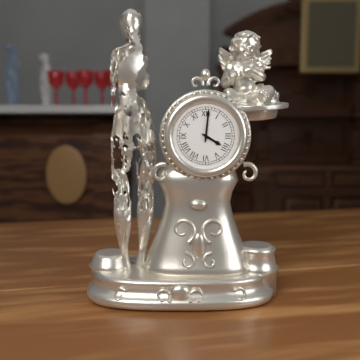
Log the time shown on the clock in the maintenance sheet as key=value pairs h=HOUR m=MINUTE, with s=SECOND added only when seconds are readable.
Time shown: h=4 m=1
